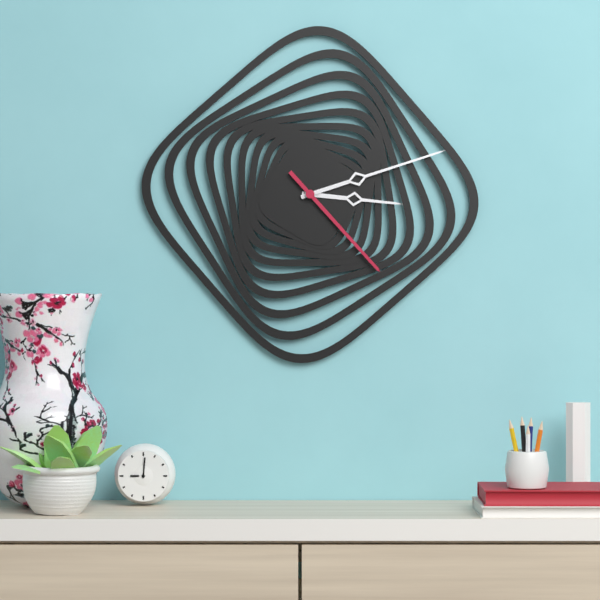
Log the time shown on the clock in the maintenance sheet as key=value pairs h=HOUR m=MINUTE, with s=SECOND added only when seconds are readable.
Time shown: h=3 m=12 s=23
